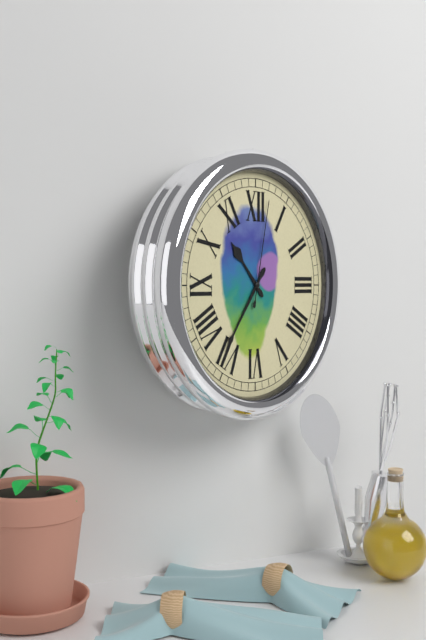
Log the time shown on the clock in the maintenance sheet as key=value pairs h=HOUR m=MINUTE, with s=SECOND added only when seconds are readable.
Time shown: h=10 m=36 s=2
